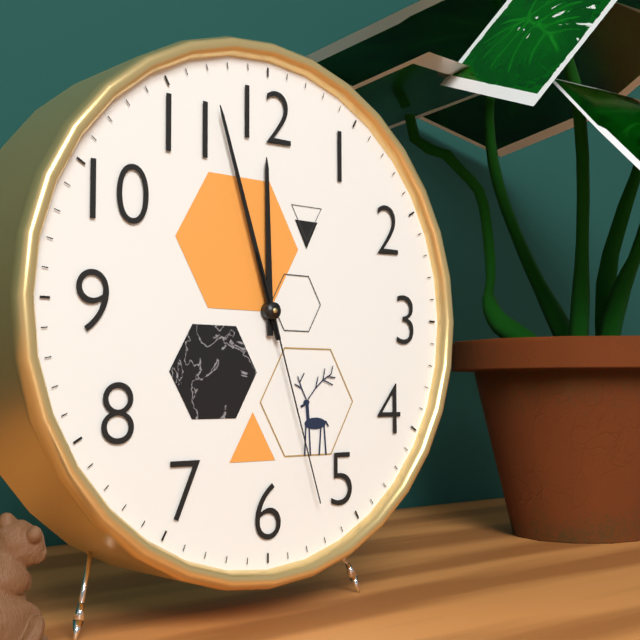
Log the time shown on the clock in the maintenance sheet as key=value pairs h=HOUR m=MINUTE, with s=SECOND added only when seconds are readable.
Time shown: h=11 m=57 s=27
